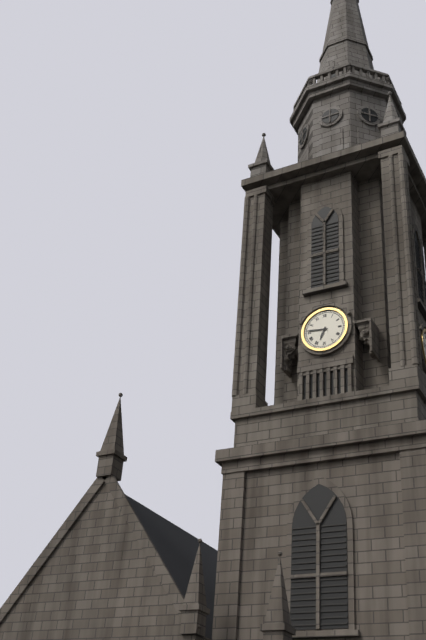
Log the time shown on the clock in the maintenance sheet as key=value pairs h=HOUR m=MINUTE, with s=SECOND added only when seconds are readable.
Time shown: h=6 m=46
